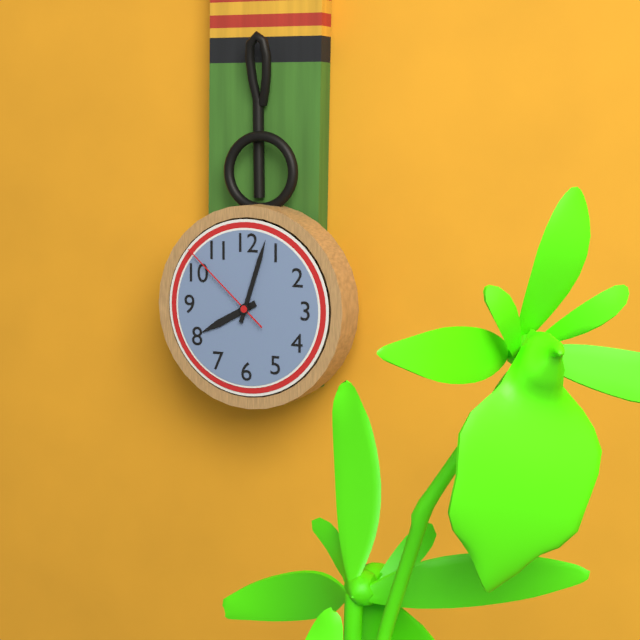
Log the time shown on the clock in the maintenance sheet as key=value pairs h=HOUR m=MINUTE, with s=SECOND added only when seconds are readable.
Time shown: h=8 m=3 s=52
